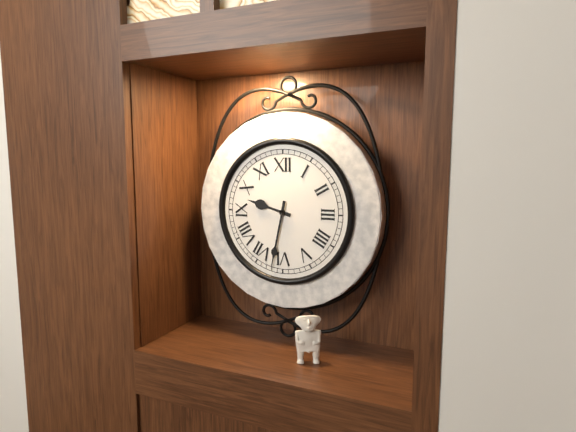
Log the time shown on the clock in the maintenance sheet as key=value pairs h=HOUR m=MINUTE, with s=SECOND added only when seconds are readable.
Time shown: h=9 m=32
